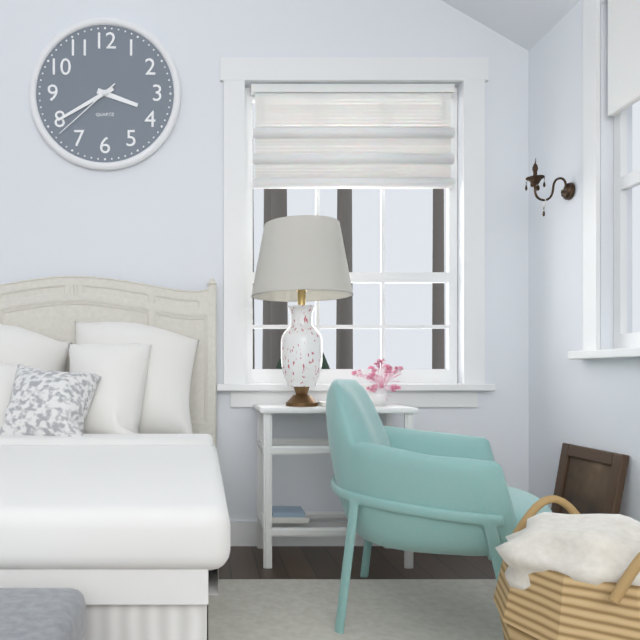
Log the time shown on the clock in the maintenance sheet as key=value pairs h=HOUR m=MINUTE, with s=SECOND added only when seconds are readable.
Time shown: h=3 m=40 s=38
